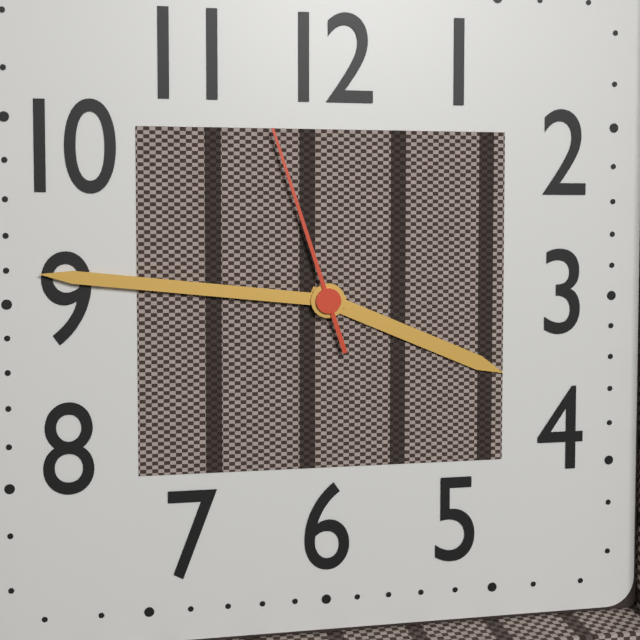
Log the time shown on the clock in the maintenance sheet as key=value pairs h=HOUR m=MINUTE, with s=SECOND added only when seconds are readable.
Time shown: h=3 m=46 s=57
